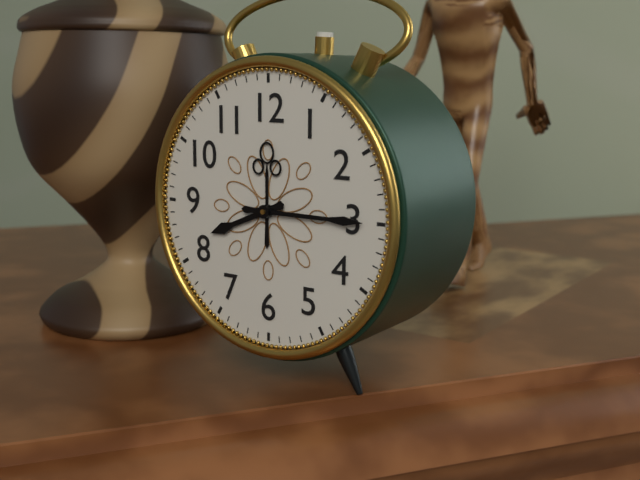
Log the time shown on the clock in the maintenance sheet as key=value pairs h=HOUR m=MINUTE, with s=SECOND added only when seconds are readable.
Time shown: h=8 m=15
